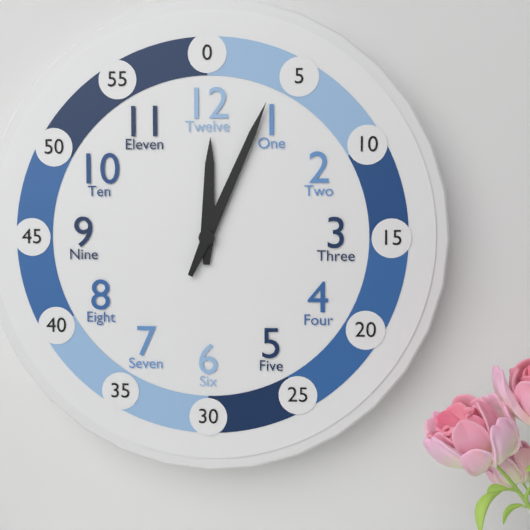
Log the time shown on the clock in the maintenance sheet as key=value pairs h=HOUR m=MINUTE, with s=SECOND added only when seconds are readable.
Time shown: h=12 m=4
